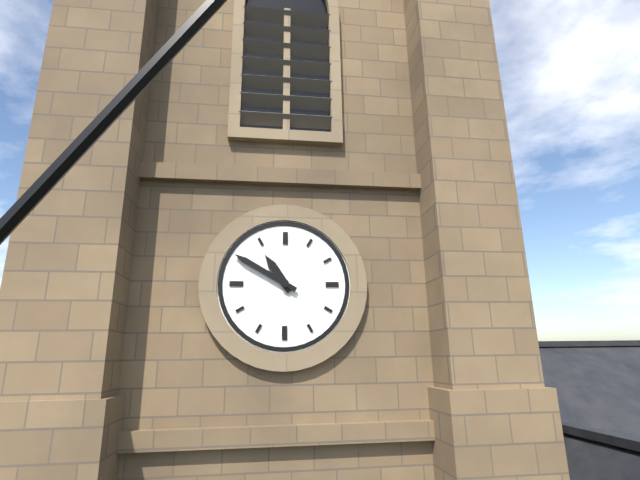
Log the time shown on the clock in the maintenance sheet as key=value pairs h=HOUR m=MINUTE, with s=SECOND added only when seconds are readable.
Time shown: h=10 m=50
